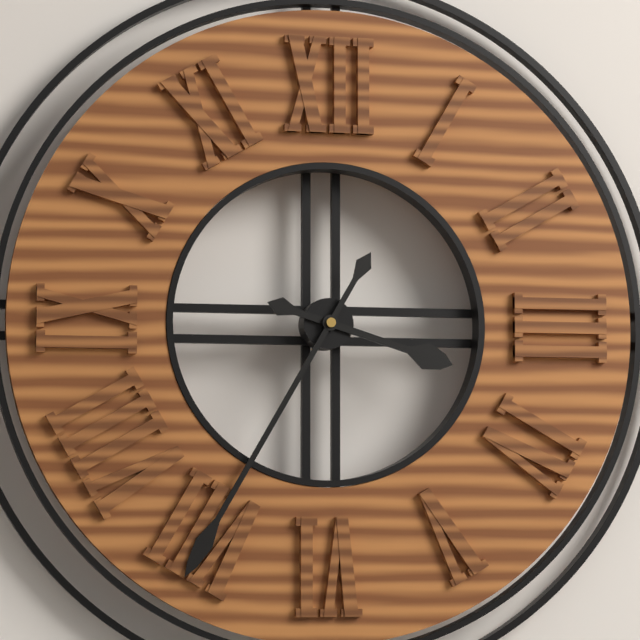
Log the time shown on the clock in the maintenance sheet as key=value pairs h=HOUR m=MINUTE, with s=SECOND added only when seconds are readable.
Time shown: h=3 m=35
